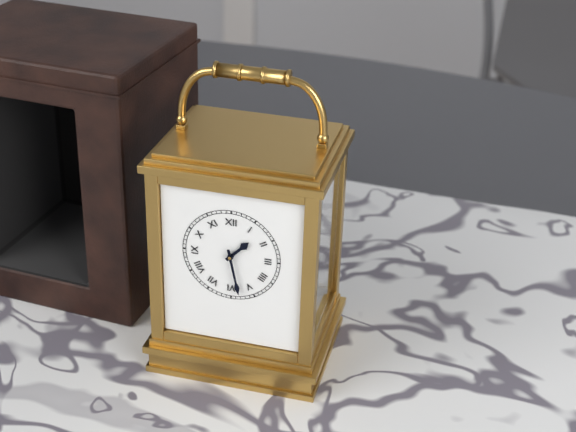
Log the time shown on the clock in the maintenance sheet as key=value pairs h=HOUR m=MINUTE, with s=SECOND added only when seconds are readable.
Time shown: h=1 m=28
